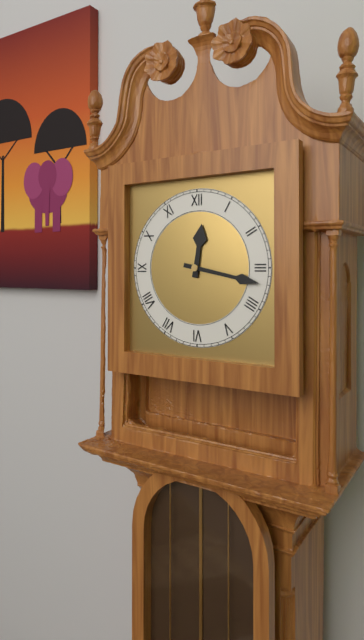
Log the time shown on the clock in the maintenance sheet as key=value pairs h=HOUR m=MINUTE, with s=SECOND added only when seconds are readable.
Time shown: h=12 m=17
